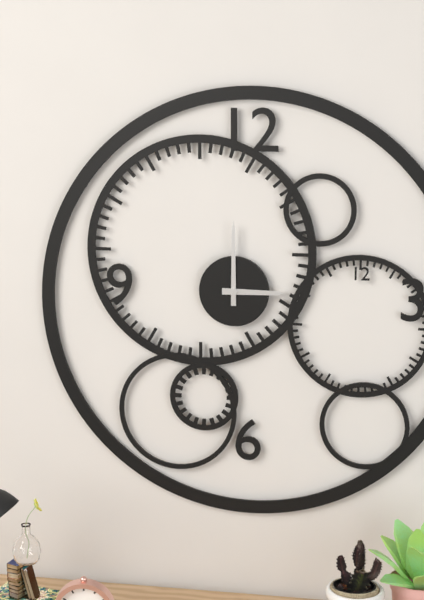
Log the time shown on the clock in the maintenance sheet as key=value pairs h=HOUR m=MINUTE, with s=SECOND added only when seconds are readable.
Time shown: h=3 m=0
